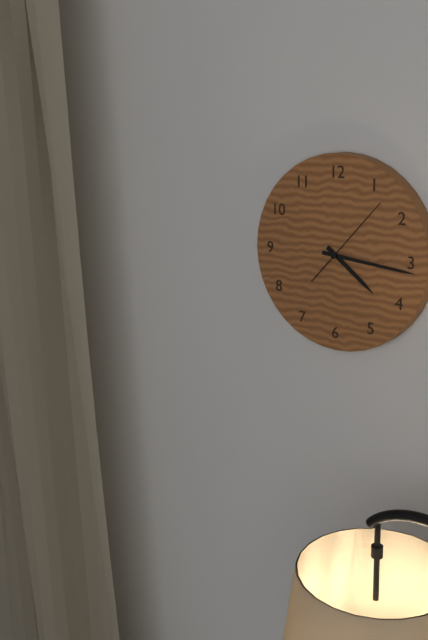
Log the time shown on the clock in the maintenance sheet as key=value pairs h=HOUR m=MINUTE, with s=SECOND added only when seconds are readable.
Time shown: h=4 m=16 s=7
